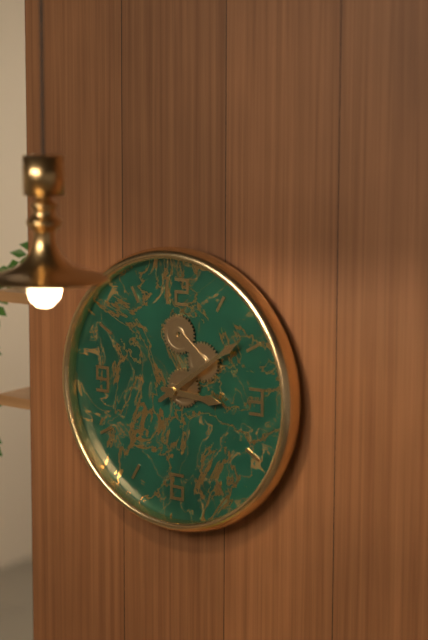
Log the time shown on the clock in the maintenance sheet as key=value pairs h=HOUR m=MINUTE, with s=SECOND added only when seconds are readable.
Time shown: h=3 m=9
